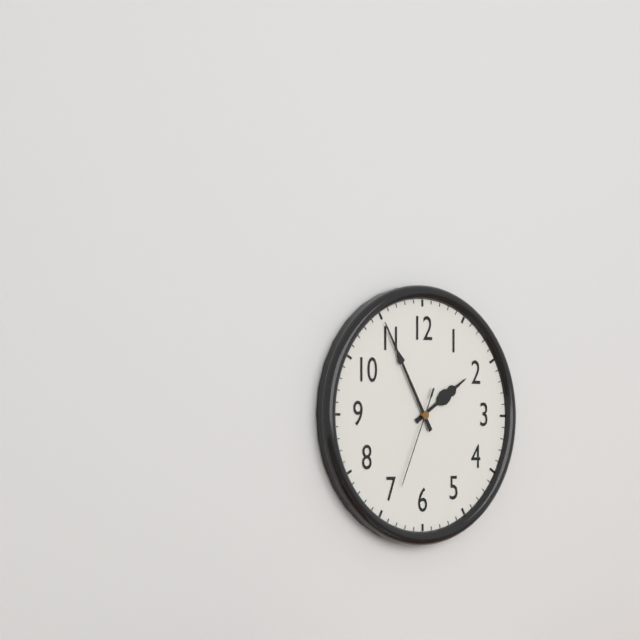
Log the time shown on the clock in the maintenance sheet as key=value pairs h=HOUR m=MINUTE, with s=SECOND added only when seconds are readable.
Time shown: h=1 m=55 s=34
